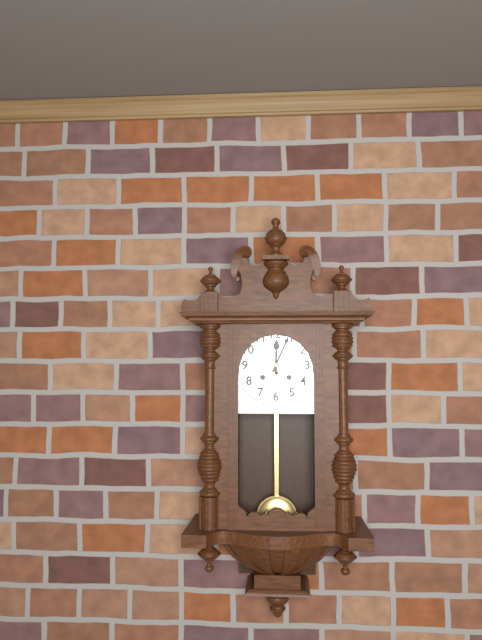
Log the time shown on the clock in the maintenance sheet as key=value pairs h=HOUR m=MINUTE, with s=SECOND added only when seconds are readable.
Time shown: h=12 m=4
